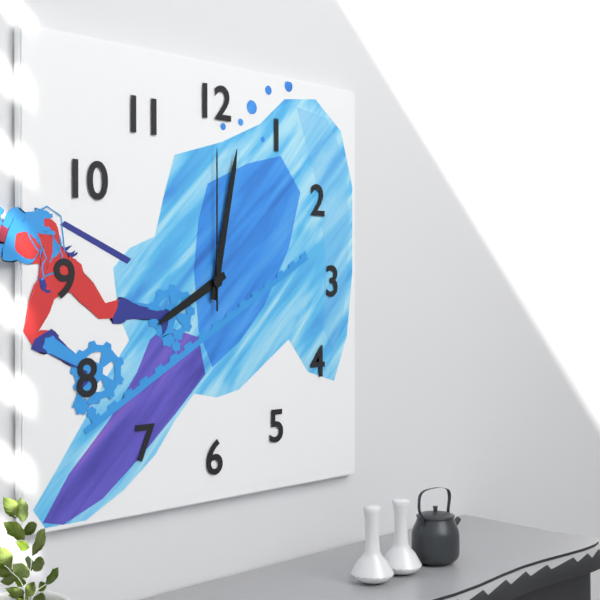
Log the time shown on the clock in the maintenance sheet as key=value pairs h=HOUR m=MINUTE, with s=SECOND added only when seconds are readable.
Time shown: h=8 m=2 s=0
